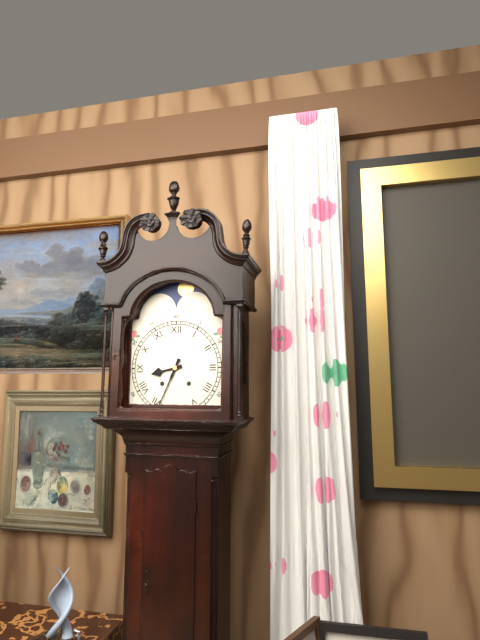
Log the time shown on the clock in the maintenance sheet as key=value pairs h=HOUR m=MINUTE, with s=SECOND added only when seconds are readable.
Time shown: h=8 m=34
